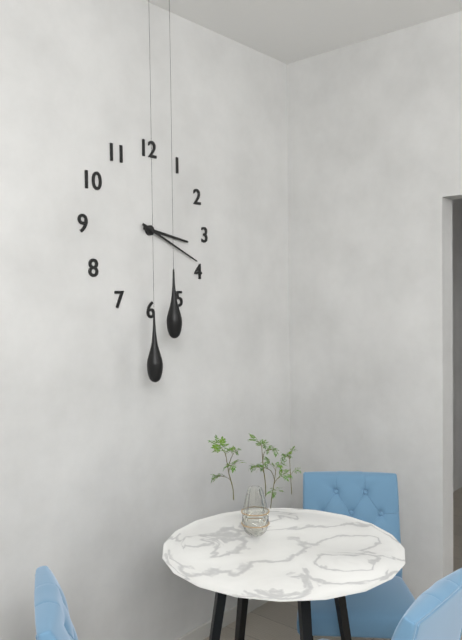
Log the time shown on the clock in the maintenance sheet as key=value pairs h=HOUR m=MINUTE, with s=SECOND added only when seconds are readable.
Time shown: h=3 m=19
